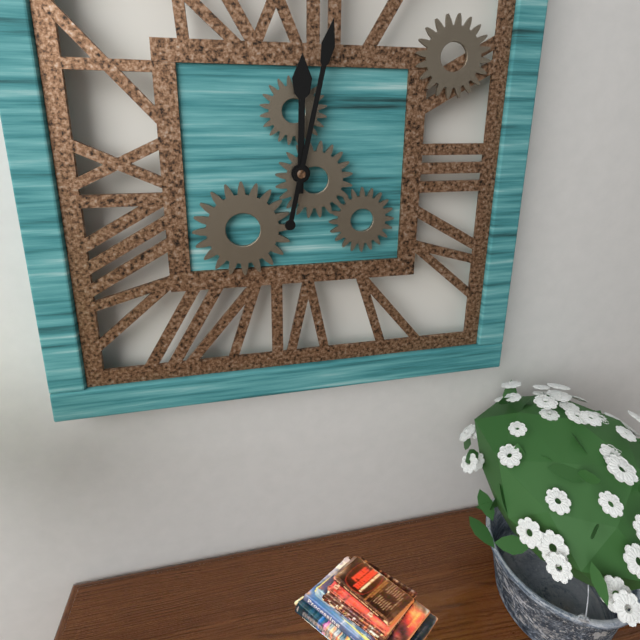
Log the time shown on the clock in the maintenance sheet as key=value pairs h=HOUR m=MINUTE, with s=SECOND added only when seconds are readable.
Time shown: h=12 m=2
